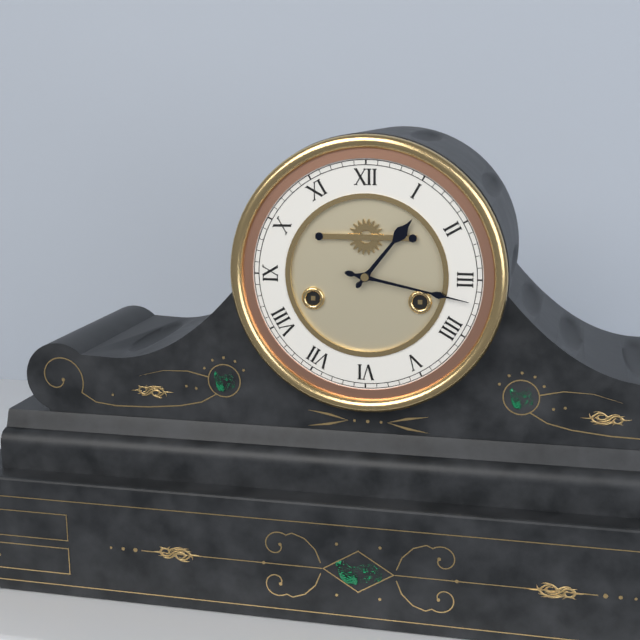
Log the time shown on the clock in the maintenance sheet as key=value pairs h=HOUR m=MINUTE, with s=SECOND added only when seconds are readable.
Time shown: h=1 m=17
